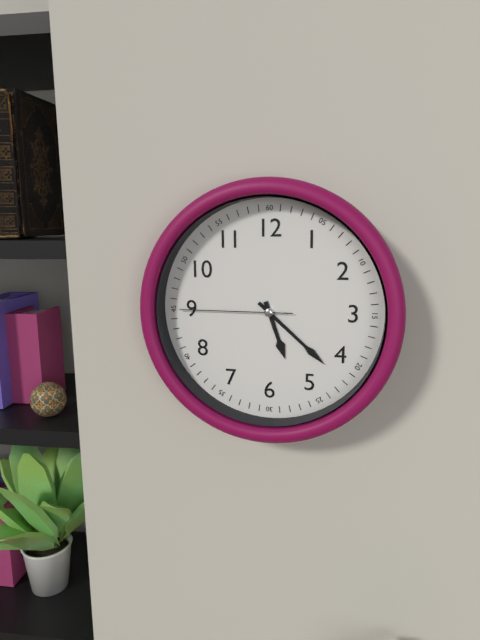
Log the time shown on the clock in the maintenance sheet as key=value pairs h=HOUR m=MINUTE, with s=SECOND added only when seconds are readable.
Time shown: h=5 m=22 s=45
